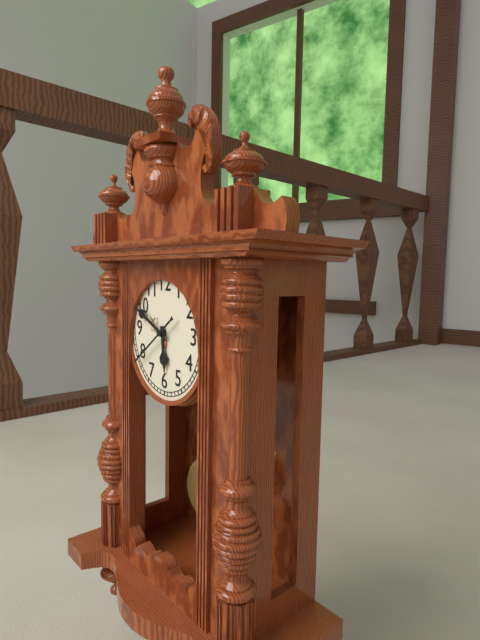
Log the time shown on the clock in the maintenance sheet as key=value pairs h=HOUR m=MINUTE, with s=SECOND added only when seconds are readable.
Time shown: h=5 m=49 s=39
